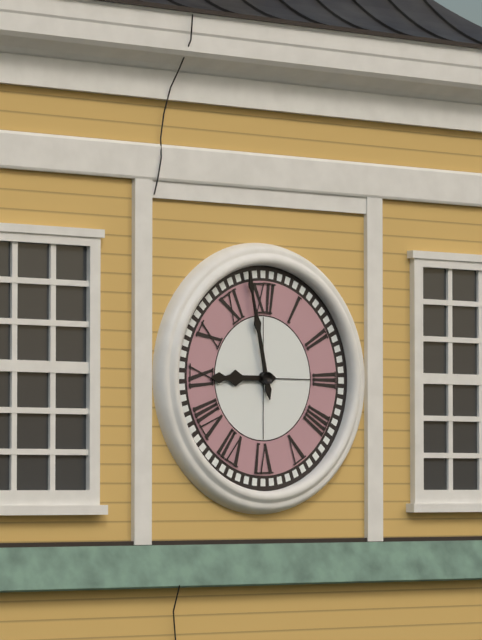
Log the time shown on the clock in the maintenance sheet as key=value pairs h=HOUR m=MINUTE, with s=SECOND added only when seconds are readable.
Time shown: h=8 m=58
